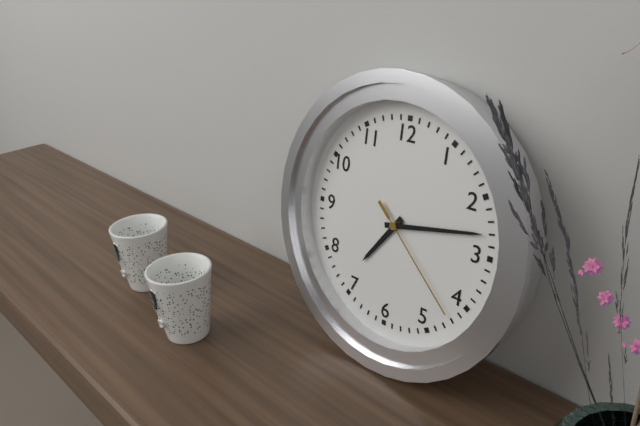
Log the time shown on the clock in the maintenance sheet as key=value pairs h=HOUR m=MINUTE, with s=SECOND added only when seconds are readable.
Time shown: h=7 m=13 s=22
